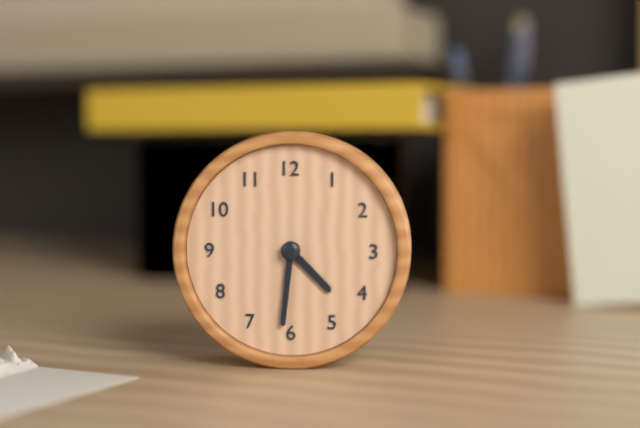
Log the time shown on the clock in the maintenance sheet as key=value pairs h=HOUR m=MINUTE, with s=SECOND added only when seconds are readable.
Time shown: h=4 m=31
